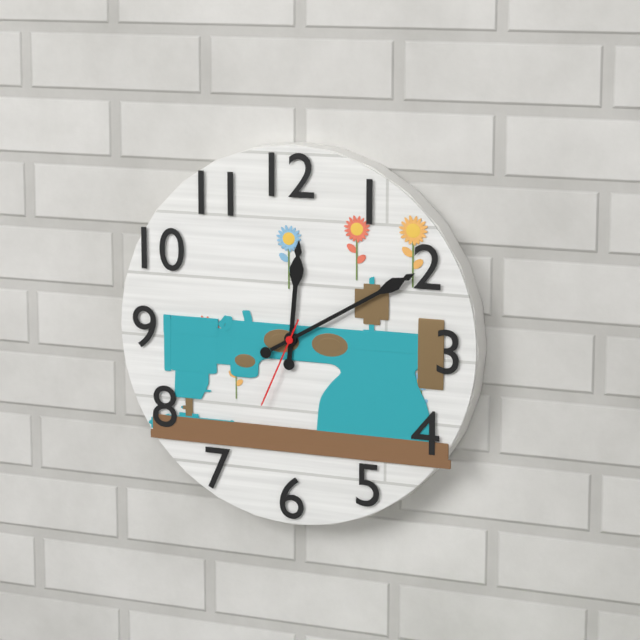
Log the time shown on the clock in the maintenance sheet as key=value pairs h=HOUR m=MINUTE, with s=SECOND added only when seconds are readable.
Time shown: h=12 m=10 s=34
